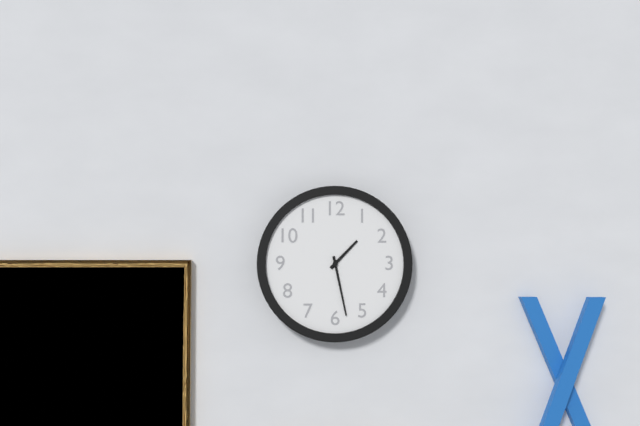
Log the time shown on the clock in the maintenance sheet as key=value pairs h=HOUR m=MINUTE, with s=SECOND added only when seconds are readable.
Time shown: h=1 m=28
